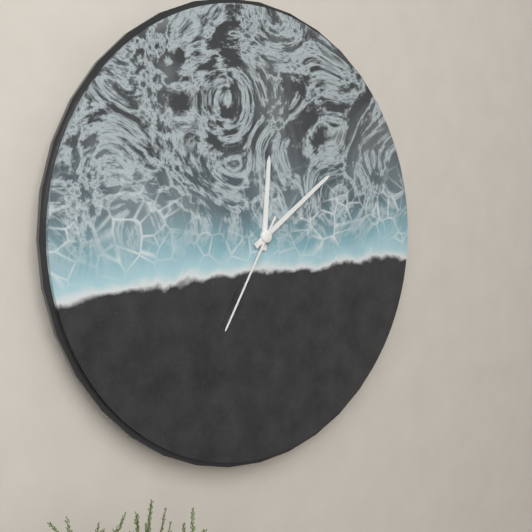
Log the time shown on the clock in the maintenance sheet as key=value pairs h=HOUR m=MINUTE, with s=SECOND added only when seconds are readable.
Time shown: h=12 m=9 s=35
